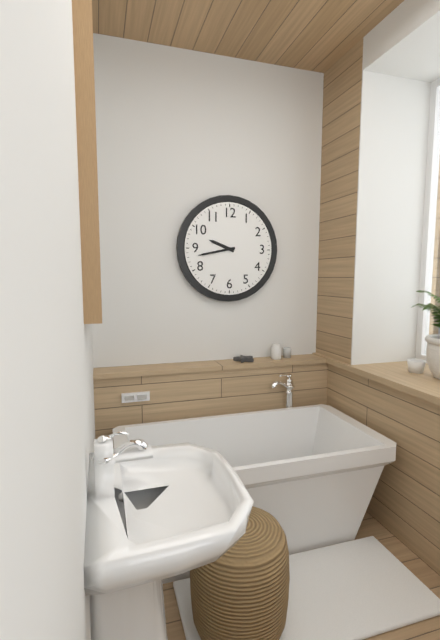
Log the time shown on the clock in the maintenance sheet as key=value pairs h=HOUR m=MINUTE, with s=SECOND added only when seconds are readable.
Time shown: h=9 m=43
